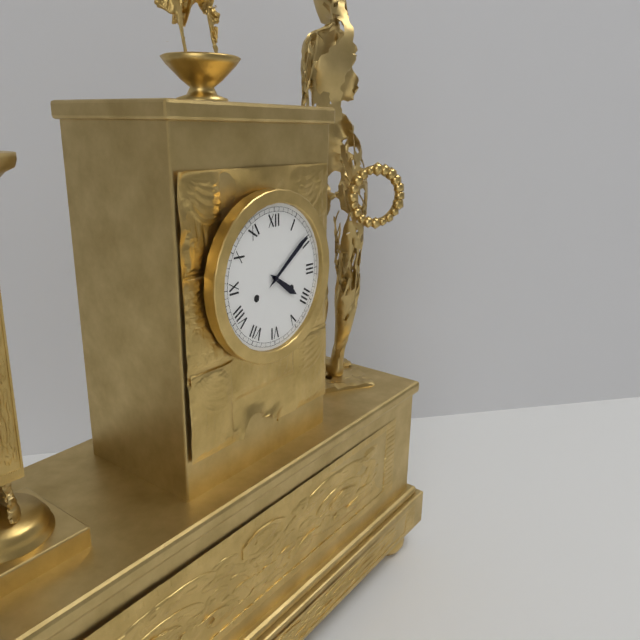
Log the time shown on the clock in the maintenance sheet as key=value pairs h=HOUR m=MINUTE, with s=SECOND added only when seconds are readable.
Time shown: h=4 m=9
